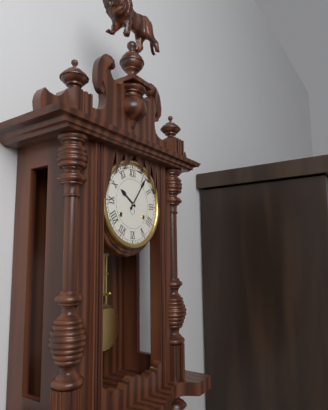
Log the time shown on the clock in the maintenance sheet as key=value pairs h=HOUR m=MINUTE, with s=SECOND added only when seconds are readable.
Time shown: h=10 m=6
